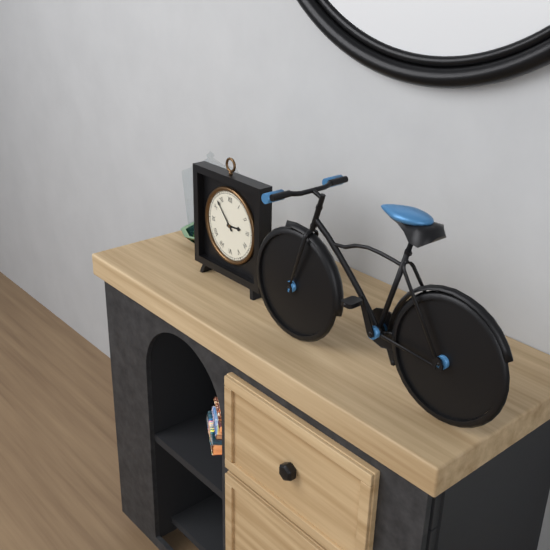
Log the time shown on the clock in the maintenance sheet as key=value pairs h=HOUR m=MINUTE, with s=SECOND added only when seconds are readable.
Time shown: h=2 m=53
